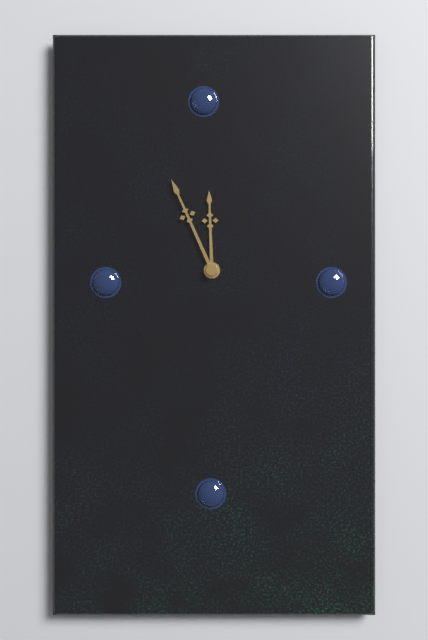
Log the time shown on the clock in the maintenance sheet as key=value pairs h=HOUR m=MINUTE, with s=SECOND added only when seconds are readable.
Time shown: h=11 m=56
